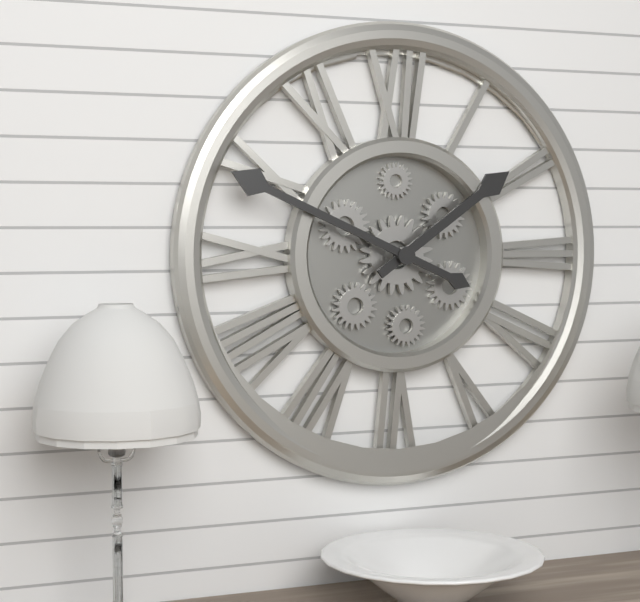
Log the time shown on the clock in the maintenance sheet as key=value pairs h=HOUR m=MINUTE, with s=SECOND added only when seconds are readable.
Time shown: h=1 m=49
